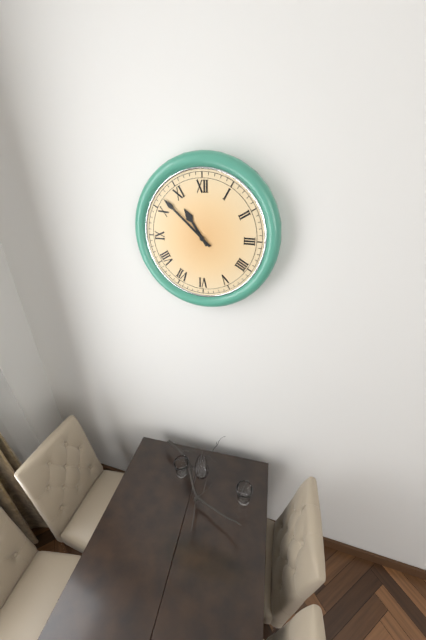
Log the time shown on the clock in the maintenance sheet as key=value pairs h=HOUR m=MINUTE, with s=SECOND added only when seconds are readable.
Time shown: h=10 m=52
